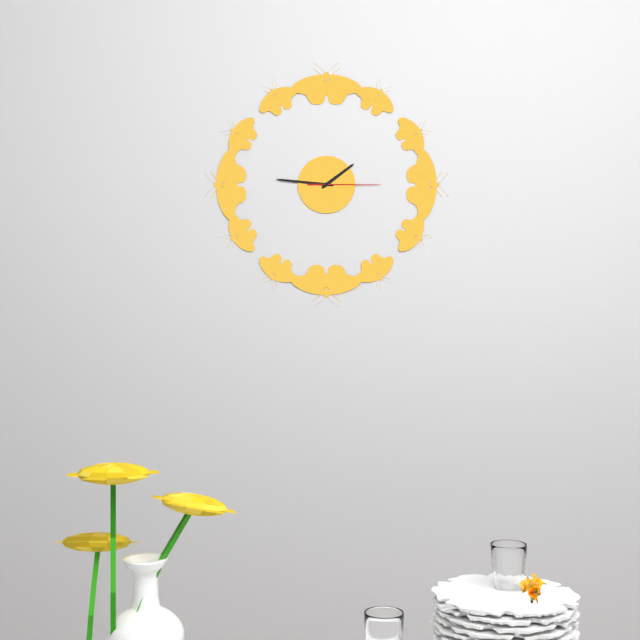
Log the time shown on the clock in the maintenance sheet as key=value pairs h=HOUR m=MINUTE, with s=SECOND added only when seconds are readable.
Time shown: h=1 m=46 s=15
